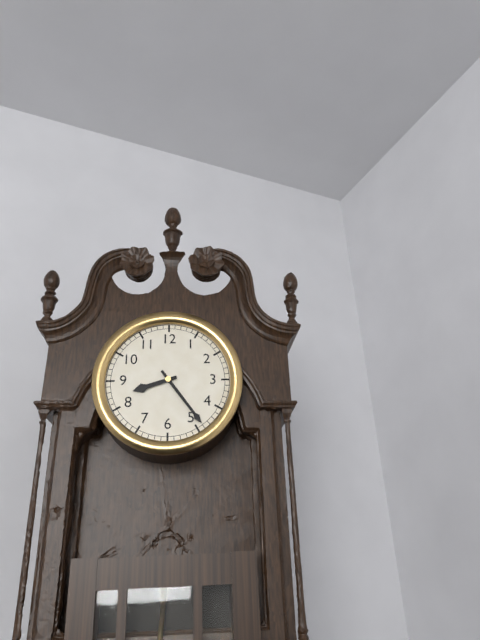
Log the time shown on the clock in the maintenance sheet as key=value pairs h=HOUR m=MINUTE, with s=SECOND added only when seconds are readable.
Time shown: h=8 m=24
